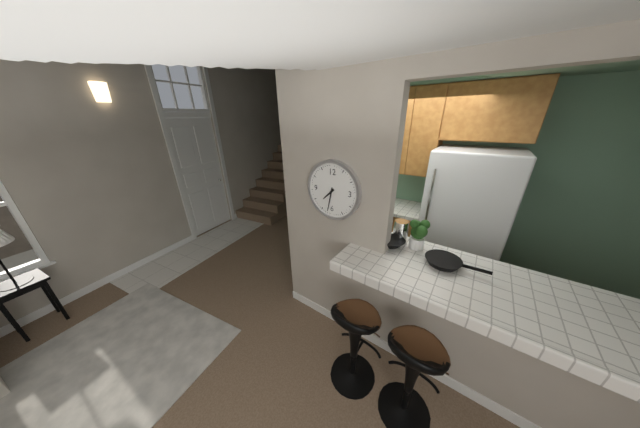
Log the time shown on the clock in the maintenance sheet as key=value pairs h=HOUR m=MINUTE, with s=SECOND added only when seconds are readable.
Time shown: h=7 m=32
